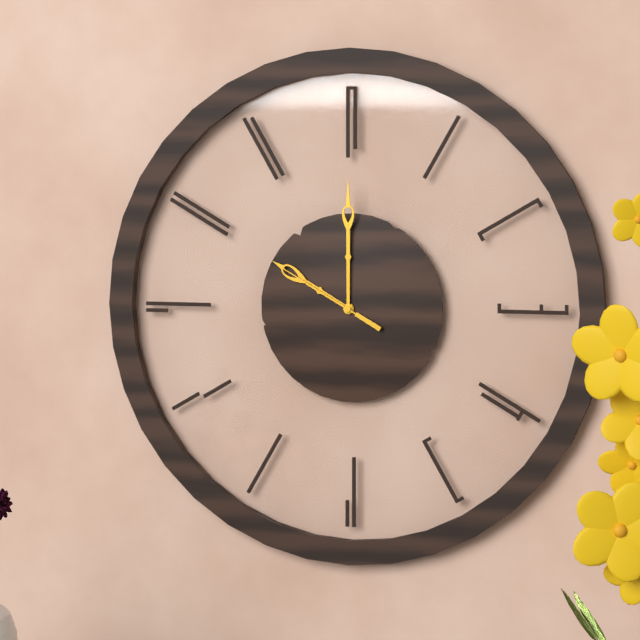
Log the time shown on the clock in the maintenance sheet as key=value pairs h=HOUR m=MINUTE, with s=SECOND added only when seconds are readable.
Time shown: h=10 m=0 s=50
